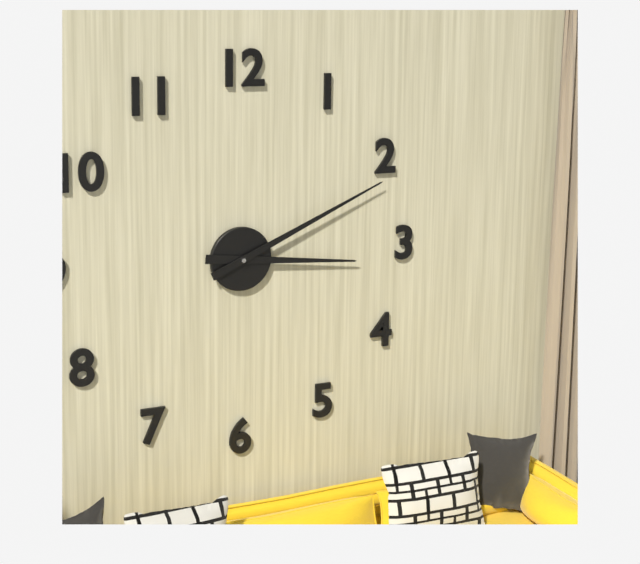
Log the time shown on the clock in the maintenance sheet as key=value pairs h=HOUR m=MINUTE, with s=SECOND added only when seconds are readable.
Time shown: h=3 m=11
